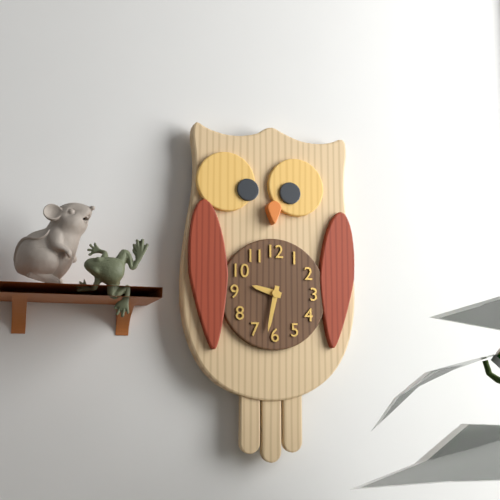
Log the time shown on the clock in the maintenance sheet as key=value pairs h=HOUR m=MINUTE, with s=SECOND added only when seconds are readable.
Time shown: h=9 m=32
